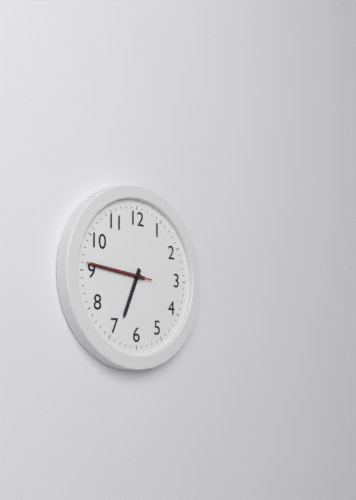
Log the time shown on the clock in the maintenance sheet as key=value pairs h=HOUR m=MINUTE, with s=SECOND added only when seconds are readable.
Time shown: h=6 m=46 s=46
